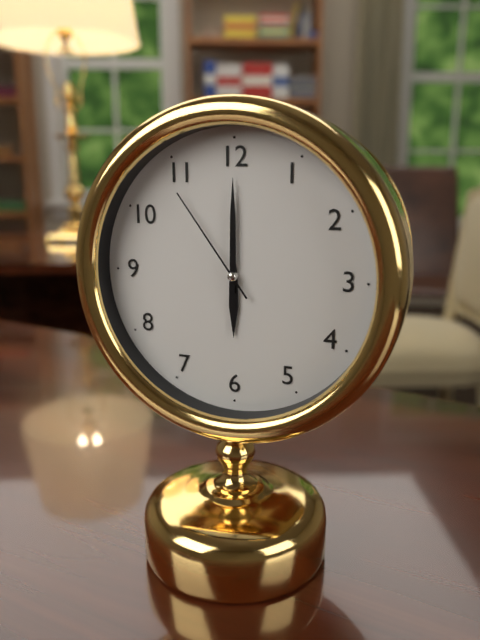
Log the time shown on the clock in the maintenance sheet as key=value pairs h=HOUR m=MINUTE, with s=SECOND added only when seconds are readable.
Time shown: h=6 m=0 s=54
